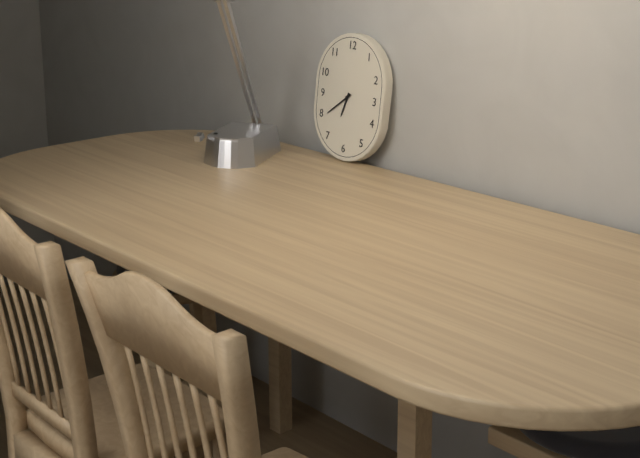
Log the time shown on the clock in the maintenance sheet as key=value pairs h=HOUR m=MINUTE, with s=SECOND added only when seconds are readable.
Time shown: h=6 m=39
